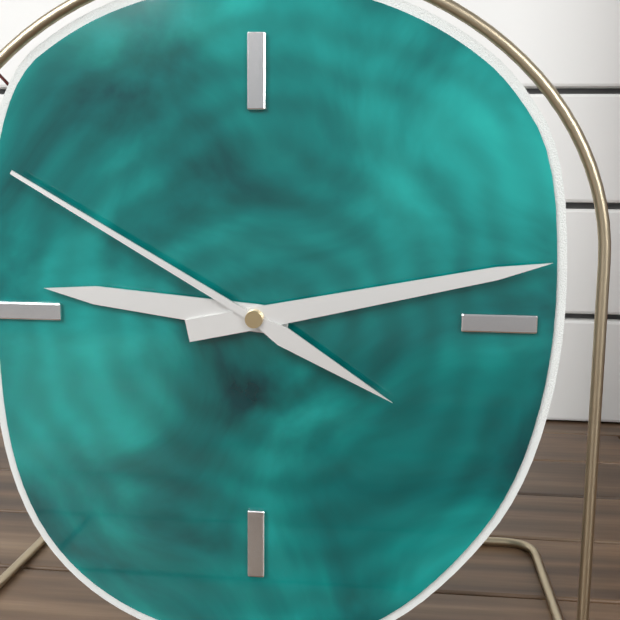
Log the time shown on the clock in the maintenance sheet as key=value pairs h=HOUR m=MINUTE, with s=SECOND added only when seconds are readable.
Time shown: h=9 m=13 s=50
